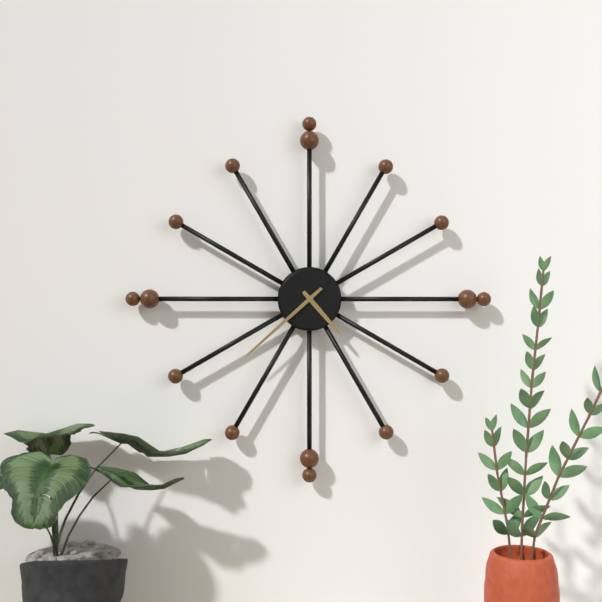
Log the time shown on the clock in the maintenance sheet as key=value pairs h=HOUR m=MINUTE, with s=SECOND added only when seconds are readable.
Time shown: h=4 m=38
